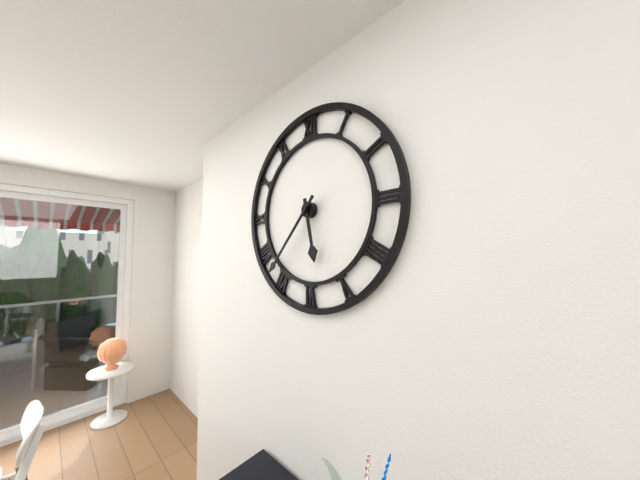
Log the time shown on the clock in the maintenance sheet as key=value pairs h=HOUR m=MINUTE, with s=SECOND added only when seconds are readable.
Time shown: h=5 m=37
